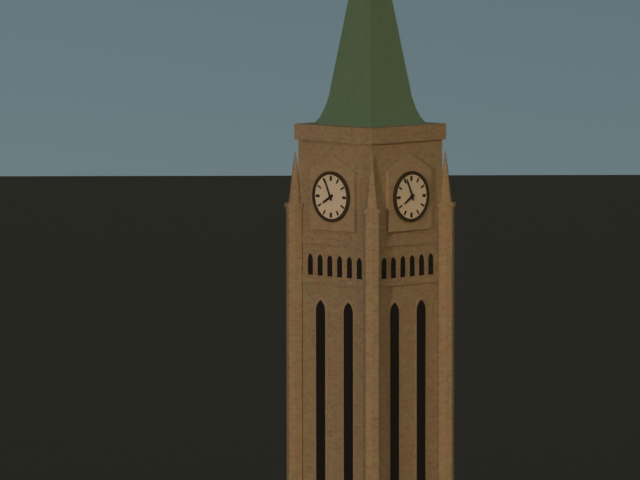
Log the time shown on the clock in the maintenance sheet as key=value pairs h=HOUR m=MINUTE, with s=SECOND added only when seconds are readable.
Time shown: h=7 m=56
